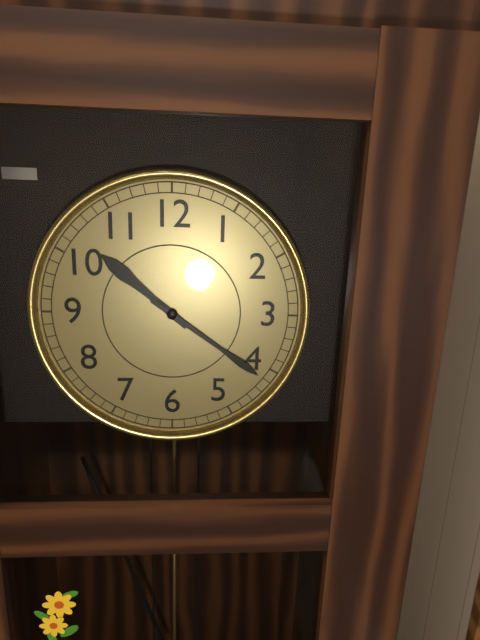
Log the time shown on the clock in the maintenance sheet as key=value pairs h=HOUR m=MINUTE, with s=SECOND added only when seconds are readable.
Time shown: h=10 m=21
